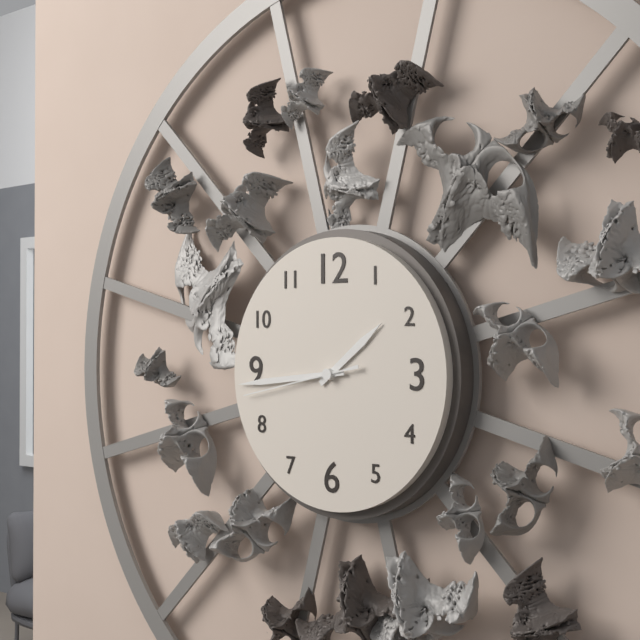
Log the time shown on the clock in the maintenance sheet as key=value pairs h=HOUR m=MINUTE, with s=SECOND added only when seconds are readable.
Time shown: h=1 m=44 s=43
